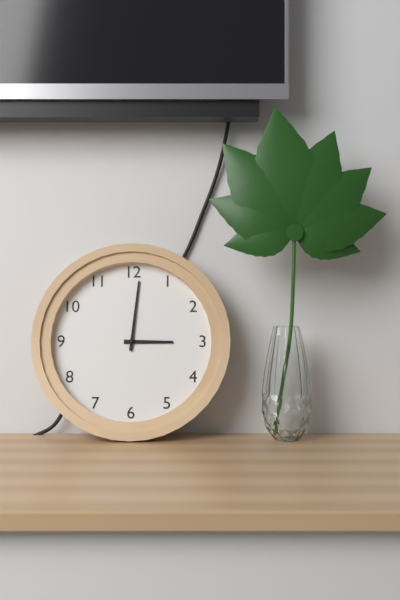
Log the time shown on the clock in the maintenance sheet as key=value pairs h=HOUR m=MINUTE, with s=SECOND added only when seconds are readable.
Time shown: h=3 m=1
